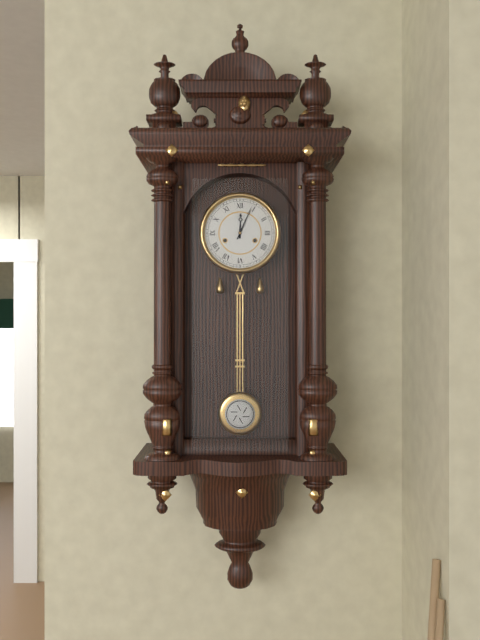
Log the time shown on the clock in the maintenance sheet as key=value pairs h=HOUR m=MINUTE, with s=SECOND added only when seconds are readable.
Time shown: h=12 m=4
